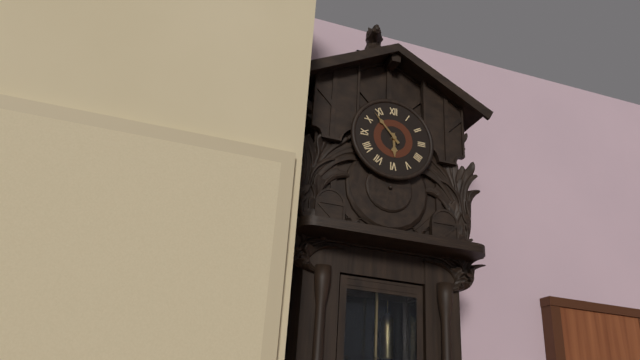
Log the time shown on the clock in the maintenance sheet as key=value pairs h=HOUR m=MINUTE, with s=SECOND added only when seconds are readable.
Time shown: h=5 m=53
